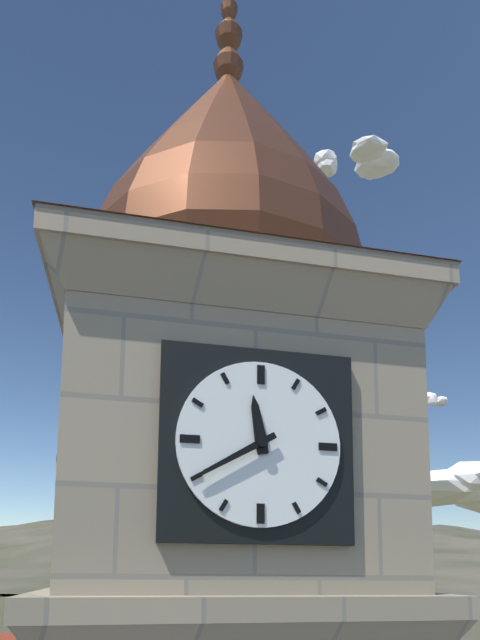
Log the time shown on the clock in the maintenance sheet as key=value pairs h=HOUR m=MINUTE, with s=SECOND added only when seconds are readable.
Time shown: h=11 m=40
